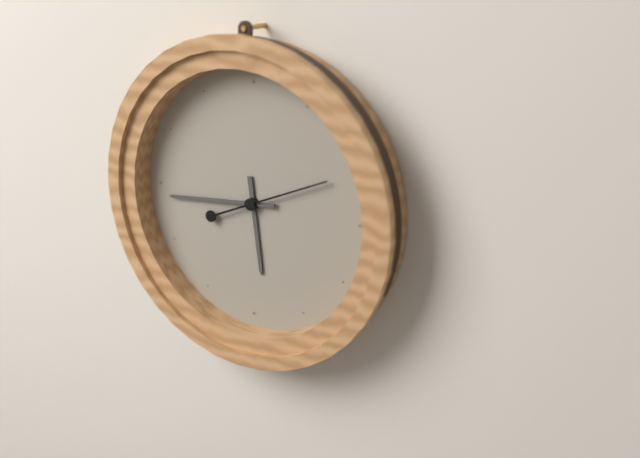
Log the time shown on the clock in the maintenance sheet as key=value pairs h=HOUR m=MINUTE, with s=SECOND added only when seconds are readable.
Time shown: h=5 m=44 s=11
